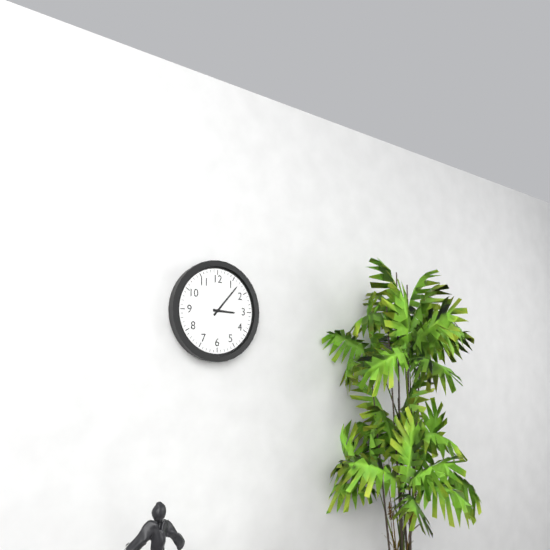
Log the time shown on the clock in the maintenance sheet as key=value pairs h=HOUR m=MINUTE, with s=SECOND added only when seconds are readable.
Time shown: h=3 m=7
